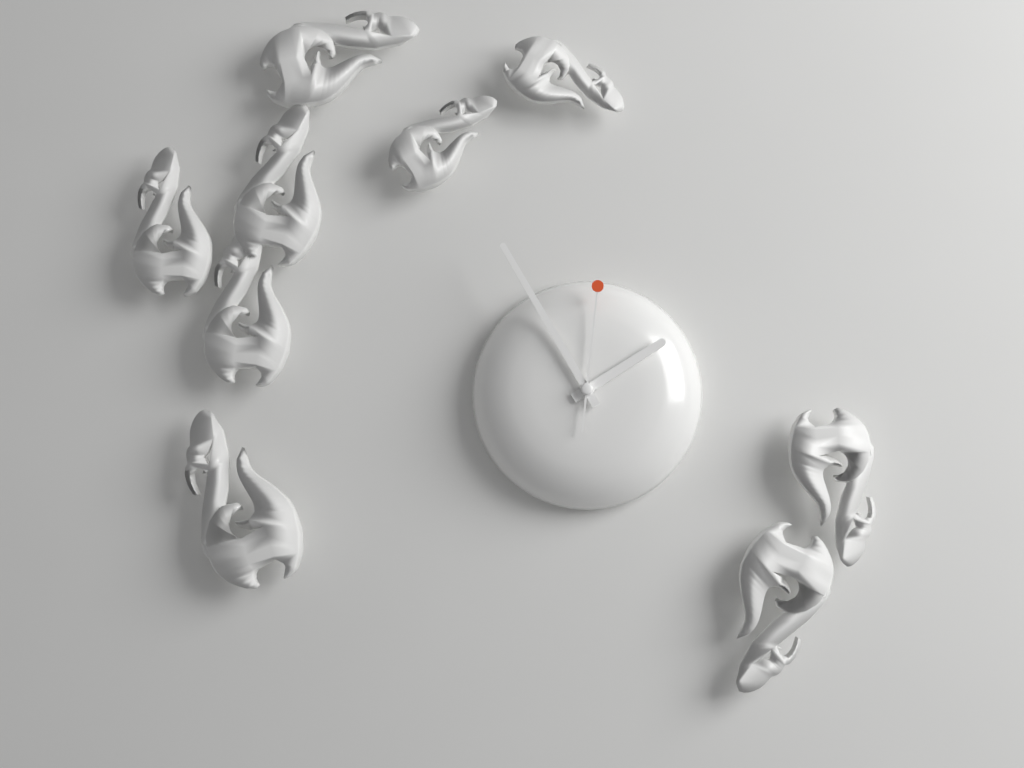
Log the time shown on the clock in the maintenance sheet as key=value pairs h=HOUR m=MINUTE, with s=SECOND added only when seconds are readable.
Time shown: h=1 m=55 s=1
